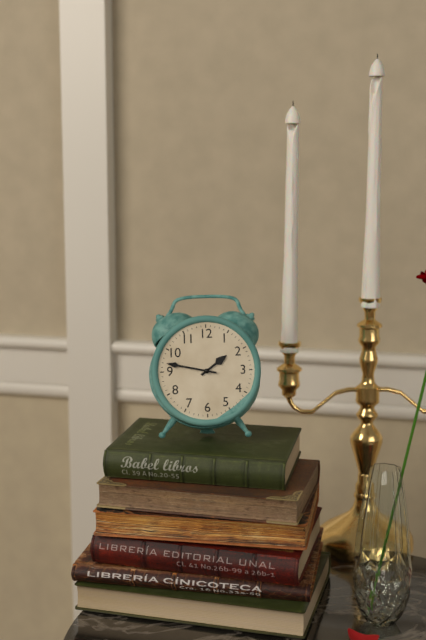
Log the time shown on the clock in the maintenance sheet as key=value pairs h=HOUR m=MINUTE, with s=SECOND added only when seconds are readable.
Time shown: h=1 m=47
